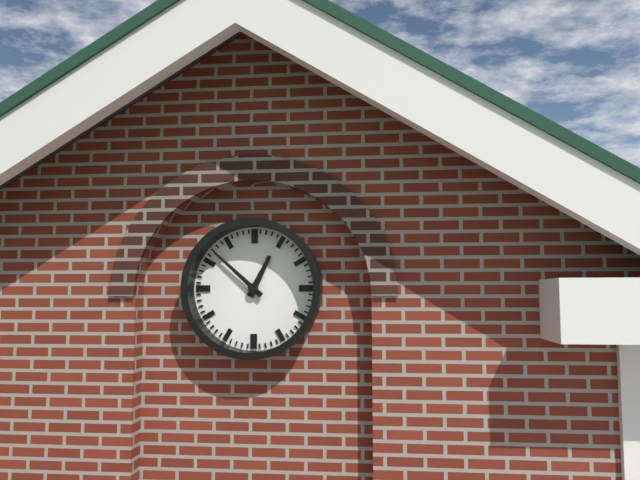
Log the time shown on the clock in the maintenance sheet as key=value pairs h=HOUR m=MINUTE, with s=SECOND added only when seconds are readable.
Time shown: h=12 m=52
